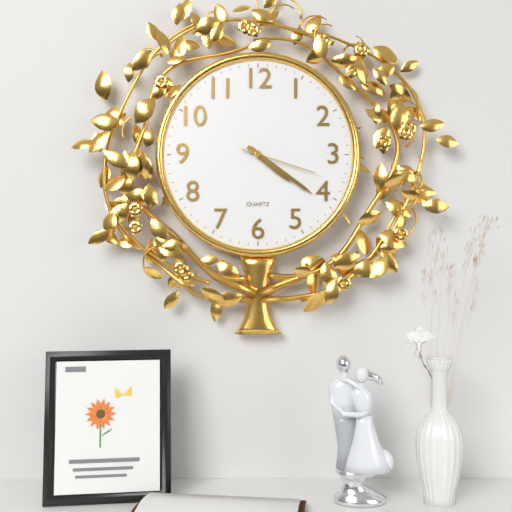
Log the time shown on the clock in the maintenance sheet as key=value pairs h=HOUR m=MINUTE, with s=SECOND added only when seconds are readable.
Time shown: h=4 m=21 s=18
